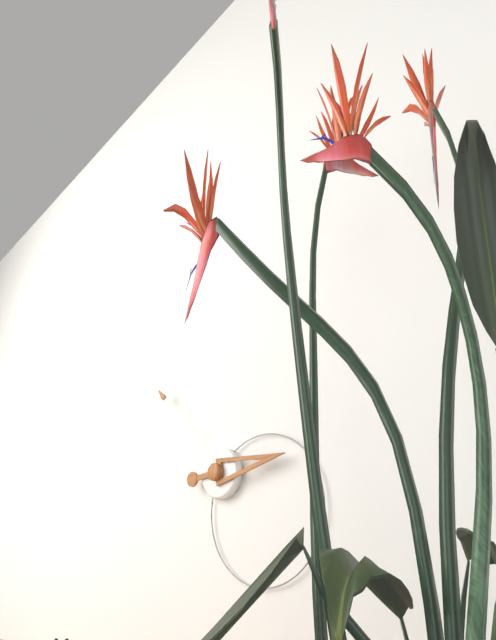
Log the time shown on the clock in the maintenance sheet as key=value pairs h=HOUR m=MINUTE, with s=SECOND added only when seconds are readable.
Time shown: h=2 m=53
